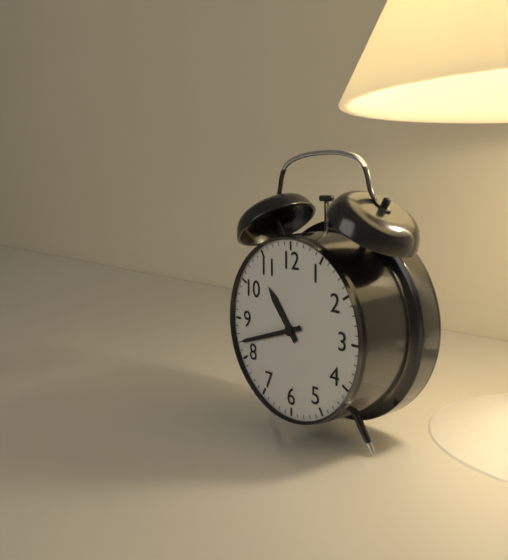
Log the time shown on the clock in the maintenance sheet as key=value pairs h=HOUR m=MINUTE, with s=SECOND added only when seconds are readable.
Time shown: h=10 m=42
